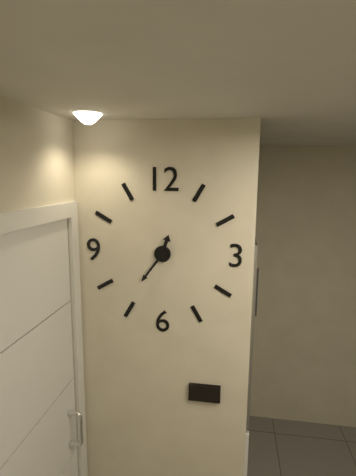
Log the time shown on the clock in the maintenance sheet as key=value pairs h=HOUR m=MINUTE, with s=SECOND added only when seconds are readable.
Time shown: h=12 m=36
